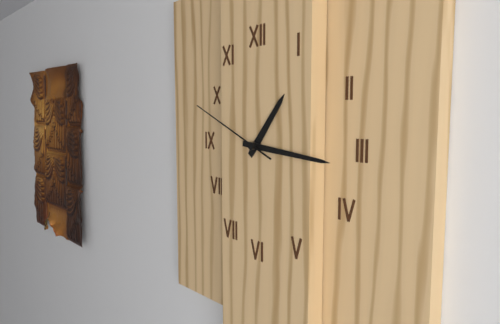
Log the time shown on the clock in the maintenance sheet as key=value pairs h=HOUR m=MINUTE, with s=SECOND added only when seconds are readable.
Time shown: h=1 m=16 s=49
